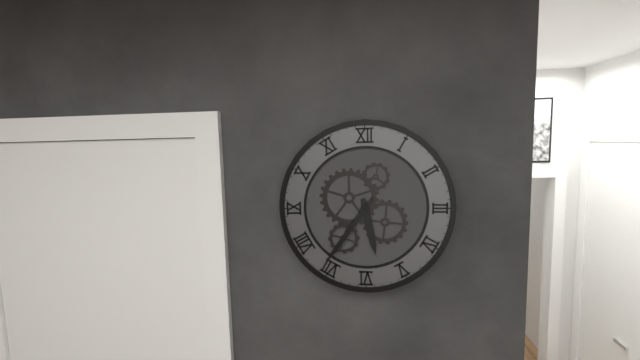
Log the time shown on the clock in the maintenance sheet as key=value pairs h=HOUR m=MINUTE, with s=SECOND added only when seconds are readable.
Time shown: h=5 m=36
